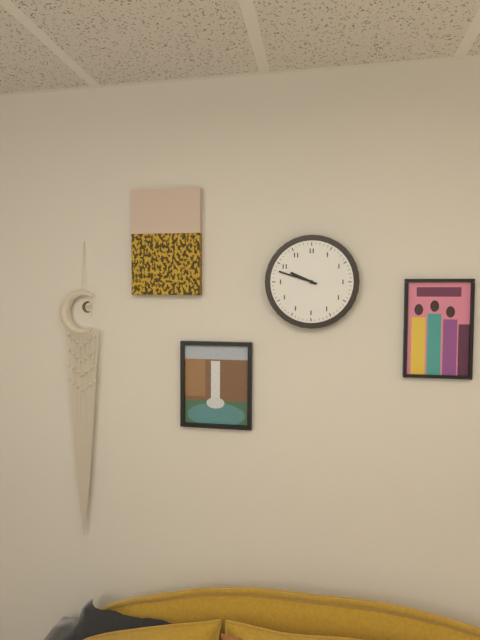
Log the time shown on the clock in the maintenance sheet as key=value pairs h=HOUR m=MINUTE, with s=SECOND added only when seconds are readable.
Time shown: h=9 m=48
